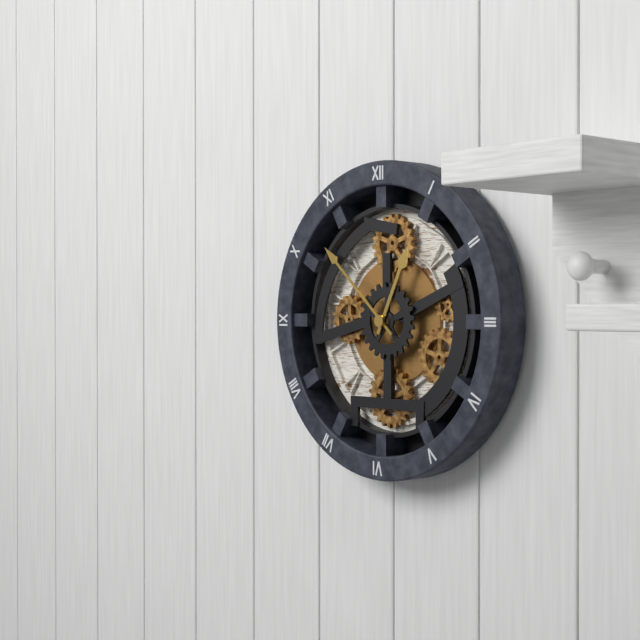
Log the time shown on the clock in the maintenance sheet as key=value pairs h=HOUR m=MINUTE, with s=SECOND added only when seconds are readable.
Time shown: h=12 m=52
